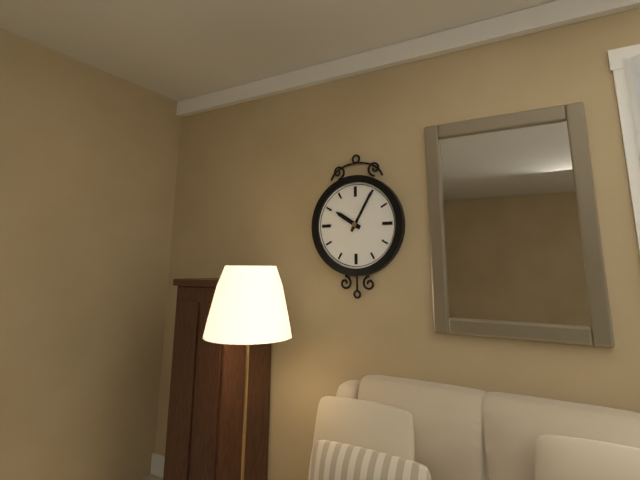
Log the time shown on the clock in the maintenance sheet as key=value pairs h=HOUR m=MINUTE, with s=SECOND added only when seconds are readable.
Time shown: h=10 m=5
